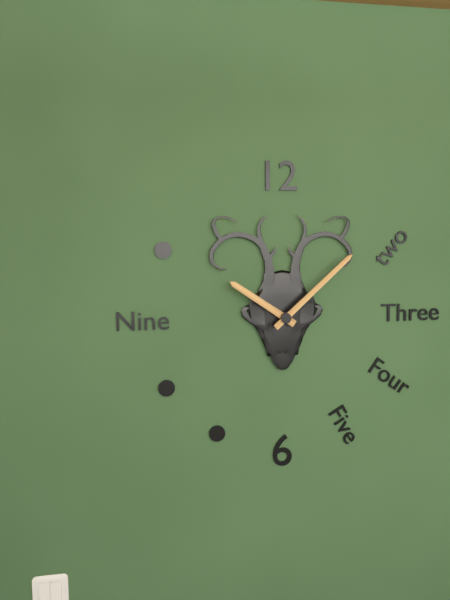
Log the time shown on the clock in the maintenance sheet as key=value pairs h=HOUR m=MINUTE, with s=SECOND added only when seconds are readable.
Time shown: h=10 m=8
